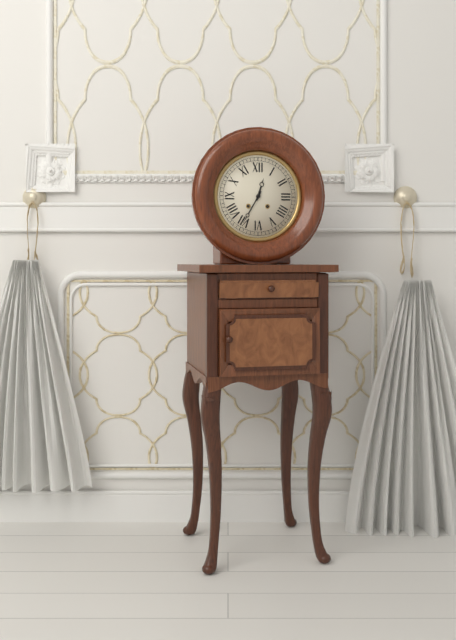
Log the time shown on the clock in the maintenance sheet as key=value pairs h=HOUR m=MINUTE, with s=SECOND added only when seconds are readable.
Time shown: h=12 m=35
